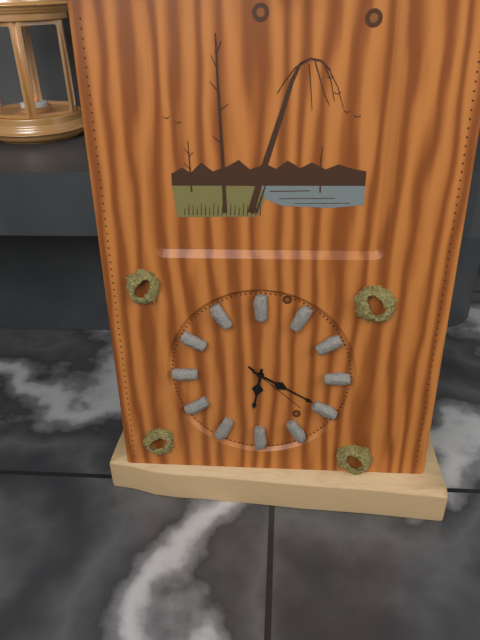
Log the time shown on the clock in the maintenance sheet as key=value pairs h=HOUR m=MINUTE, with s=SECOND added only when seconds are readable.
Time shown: h=6 m=20 s=22
